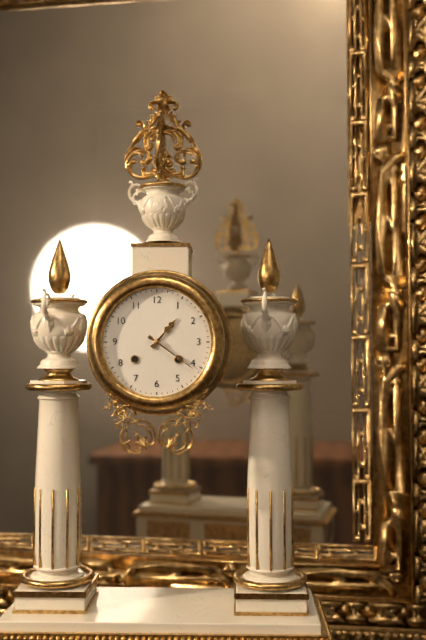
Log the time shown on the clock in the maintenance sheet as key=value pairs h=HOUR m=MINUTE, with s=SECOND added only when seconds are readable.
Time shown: h=1 m=21
